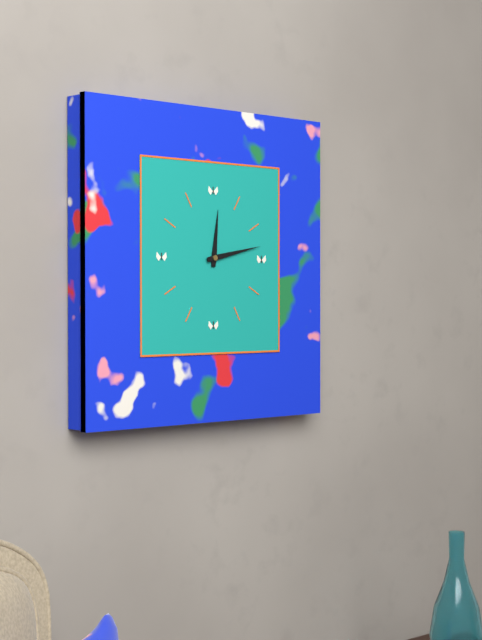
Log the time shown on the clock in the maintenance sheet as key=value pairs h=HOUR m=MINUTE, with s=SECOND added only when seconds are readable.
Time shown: h=12 m=13
